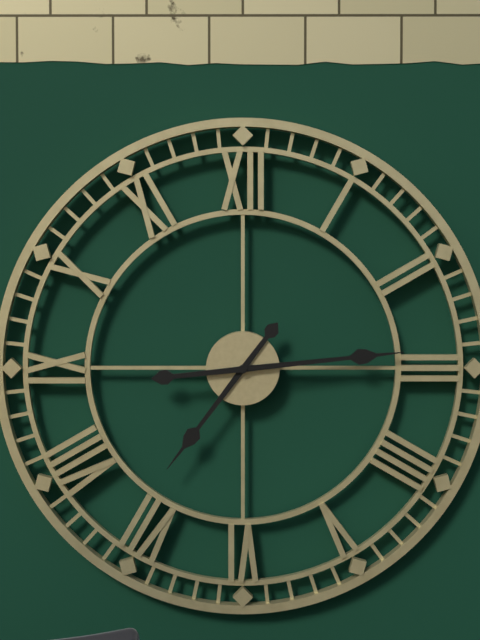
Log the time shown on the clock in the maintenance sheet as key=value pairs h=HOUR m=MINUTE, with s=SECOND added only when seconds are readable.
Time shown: h=7 m=14
